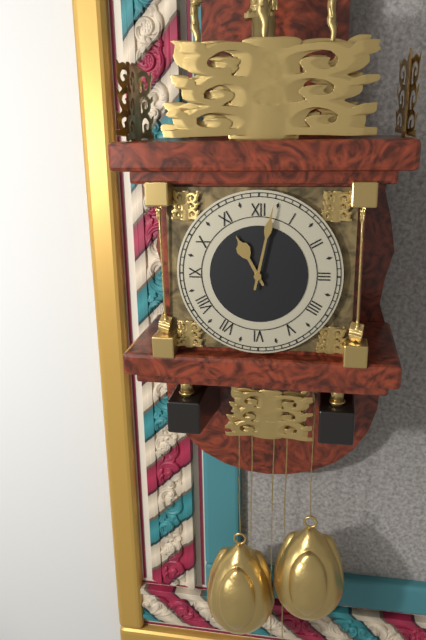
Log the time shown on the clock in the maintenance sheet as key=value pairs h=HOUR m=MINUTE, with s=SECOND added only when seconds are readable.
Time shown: h=11 m=2
